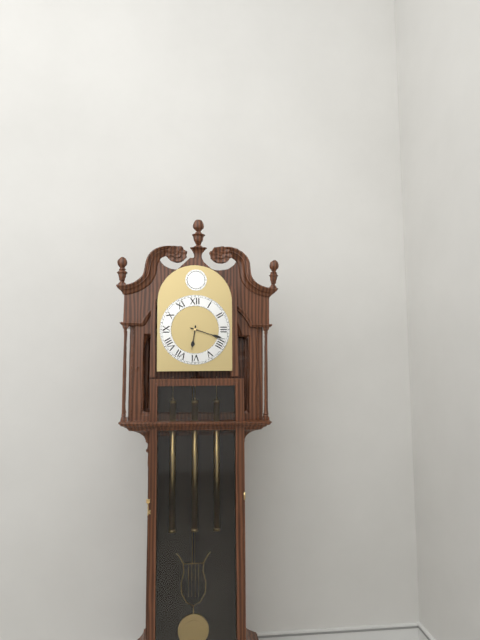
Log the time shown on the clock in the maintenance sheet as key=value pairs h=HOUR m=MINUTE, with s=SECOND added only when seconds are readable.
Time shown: h=6 m=18
